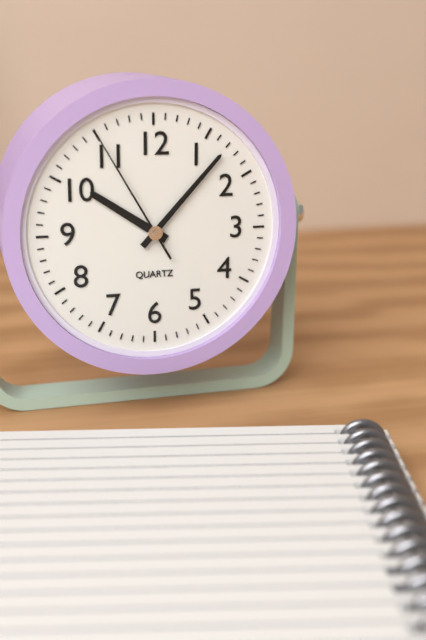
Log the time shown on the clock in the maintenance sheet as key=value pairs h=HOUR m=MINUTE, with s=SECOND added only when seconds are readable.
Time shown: h=10 m=7 s=55
